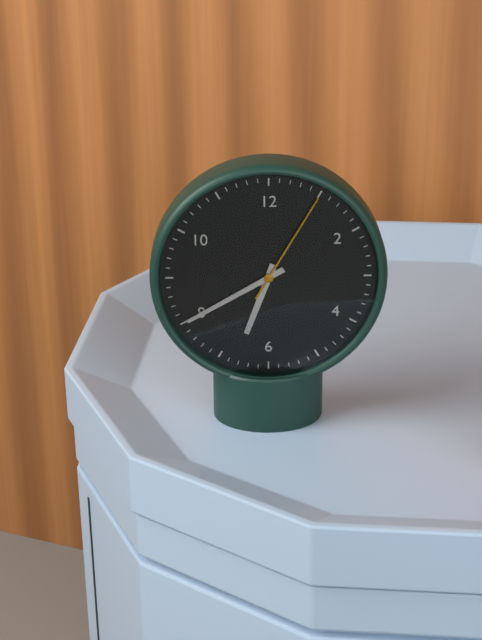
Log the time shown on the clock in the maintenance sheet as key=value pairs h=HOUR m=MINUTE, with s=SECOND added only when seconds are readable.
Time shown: h=6 m=40 s=5
